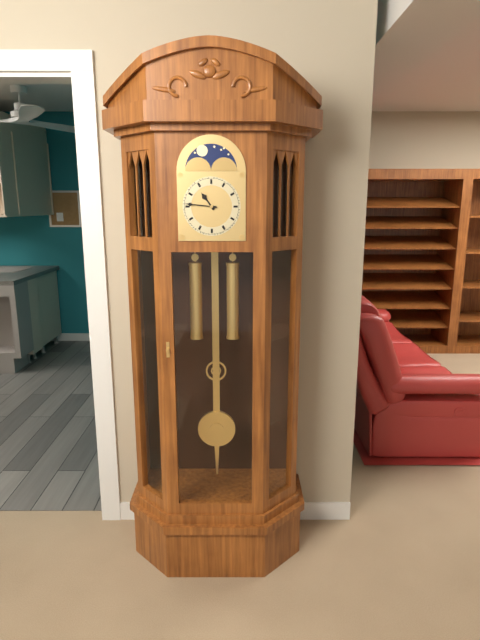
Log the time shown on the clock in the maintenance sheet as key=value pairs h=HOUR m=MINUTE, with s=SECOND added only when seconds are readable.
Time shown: h=10 m=46
